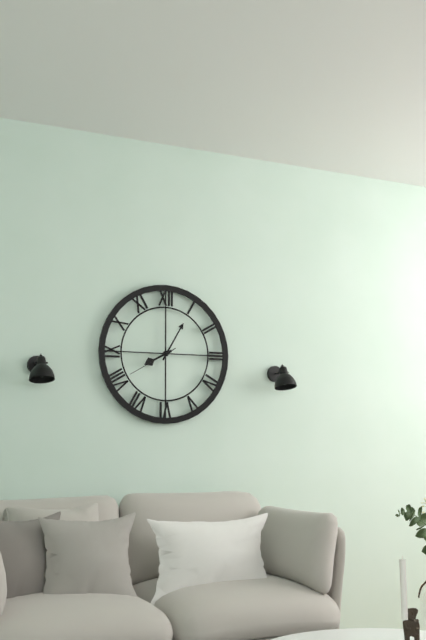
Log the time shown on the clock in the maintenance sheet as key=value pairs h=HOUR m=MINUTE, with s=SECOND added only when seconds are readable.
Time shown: h=8 m=5 s=40
